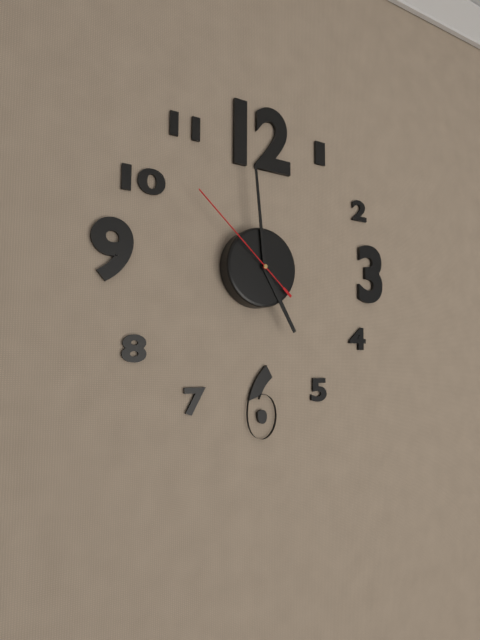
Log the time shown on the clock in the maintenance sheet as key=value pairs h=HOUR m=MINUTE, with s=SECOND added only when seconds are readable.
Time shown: h=4 m=59 s=52
